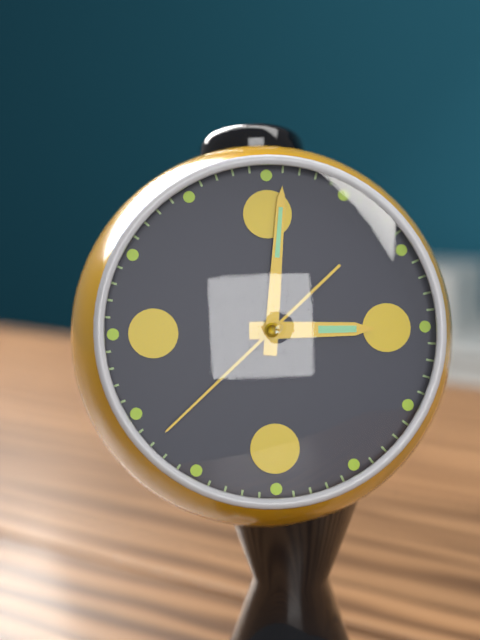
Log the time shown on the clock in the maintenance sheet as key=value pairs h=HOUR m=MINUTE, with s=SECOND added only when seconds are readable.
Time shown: h=3 m=1 s=38
